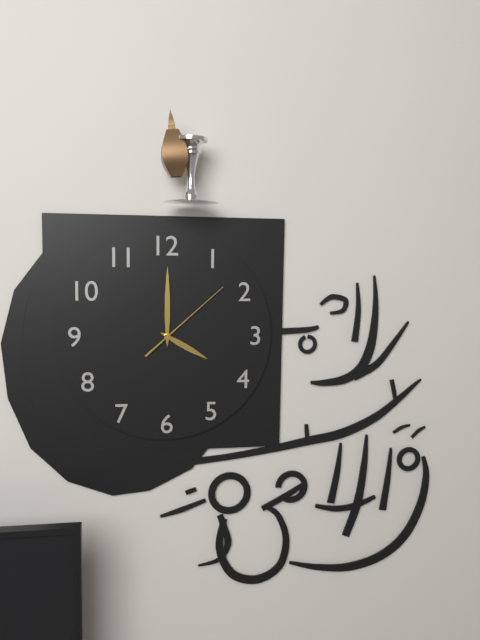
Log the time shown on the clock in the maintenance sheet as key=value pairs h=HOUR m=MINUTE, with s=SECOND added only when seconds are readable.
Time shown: h=4 m=0 s=8
